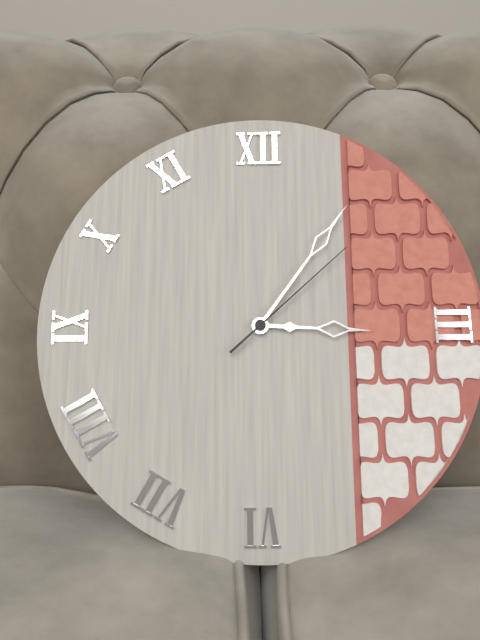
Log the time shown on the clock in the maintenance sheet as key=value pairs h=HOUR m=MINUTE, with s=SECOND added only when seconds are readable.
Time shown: h=3 m=6 s=8
